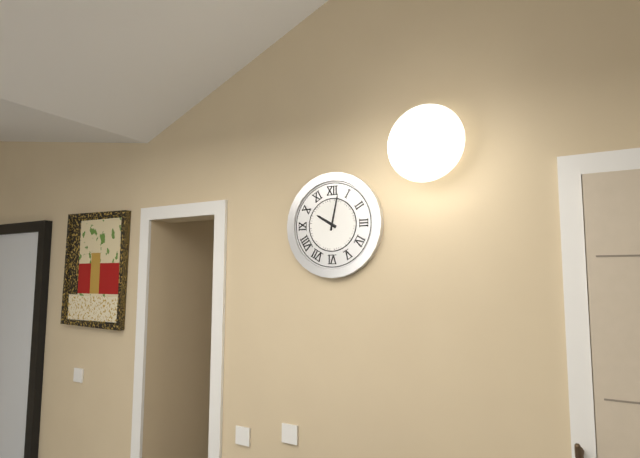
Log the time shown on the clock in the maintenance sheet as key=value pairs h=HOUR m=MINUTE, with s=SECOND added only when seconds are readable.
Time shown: h=10 m=2
